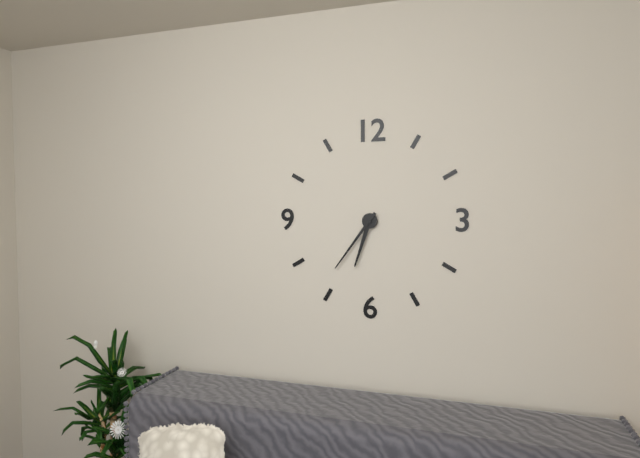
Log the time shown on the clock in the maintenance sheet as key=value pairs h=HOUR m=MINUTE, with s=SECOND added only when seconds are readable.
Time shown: h=6 m=36
